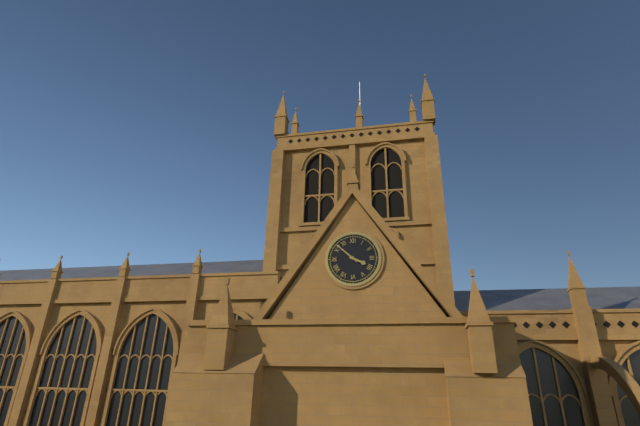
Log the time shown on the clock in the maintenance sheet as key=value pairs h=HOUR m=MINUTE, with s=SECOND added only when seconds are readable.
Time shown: h=3 m=52
